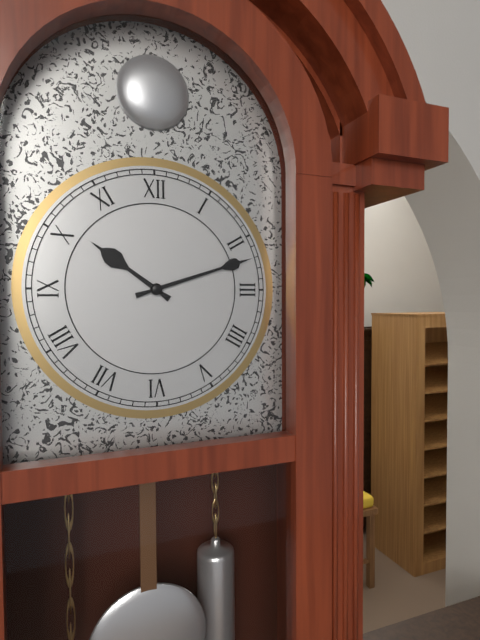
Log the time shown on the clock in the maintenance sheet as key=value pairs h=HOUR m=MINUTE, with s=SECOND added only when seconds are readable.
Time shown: h=10 m=12
